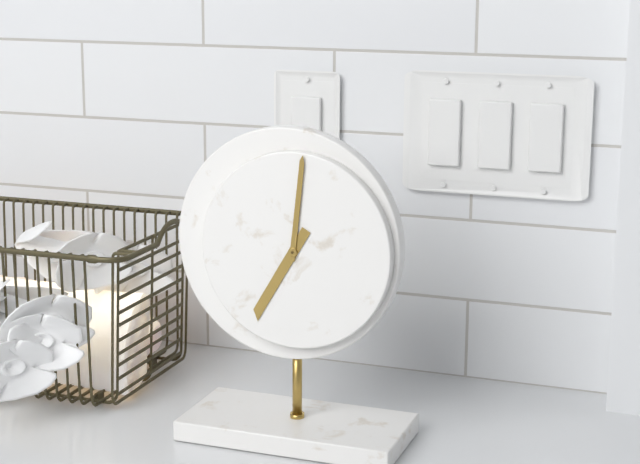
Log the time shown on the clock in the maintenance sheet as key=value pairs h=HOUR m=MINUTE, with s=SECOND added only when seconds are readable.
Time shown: h=7 m=1
